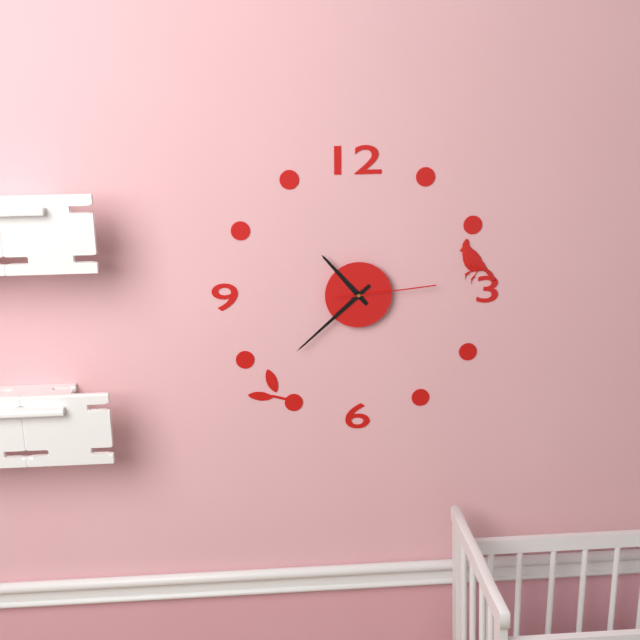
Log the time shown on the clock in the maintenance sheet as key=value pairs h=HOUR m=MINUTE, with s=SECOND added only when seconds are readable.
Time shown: h=10 m=38 s=14
